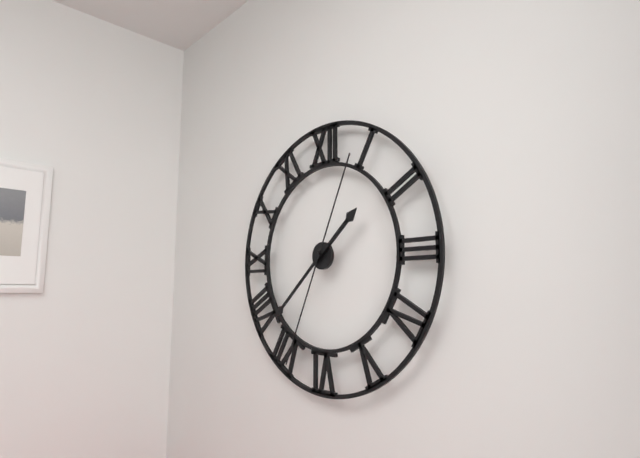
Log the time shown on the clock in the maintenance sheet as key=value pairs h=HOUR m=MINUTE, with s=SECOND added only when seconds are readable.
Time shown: h=1 m=38 s=34
